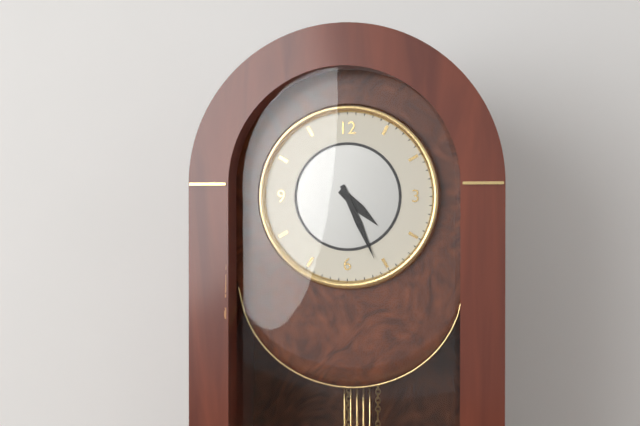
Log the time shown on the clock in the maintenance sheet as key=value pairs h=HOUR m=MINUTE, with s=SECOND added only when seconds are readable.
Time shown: h=4 m=26
